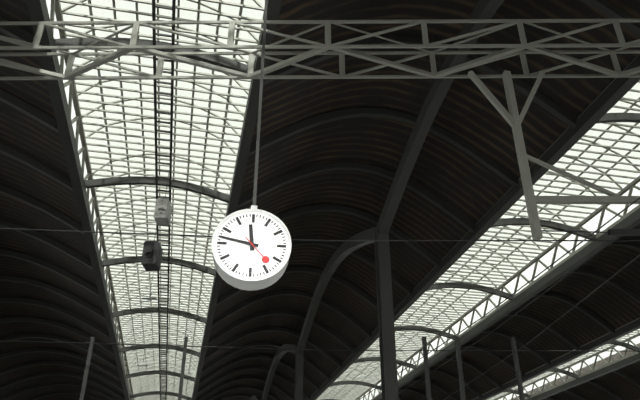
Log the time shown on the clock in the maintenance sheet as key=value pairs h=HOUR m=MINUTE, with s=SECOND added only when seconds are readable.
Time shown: h=11 m=47
